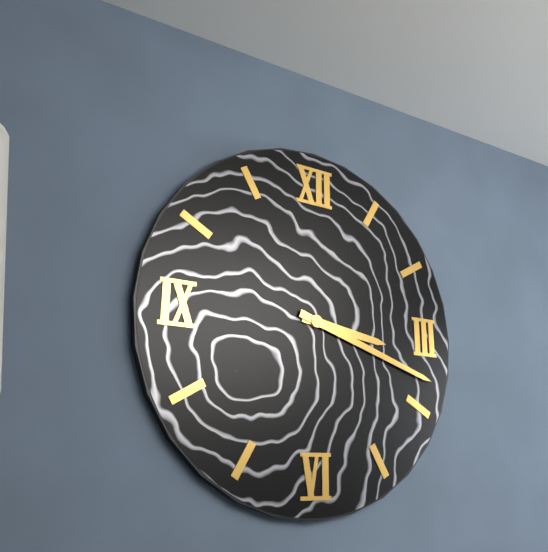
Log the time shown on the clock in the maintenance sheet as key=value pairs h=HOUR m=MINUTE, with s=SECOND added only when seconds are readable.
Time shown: h=3 m=18
